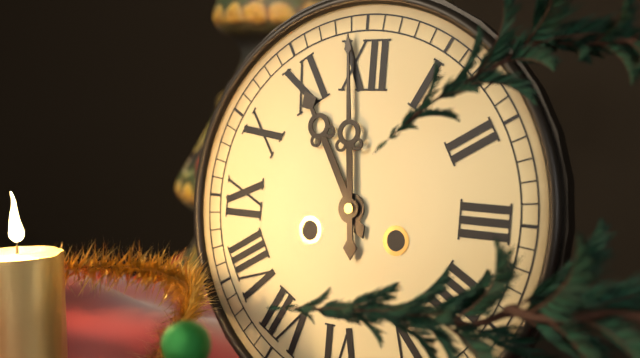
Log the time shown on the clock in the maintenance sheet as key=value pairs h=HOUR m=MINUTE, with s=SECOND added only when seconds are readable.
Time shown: h=10 m=59
